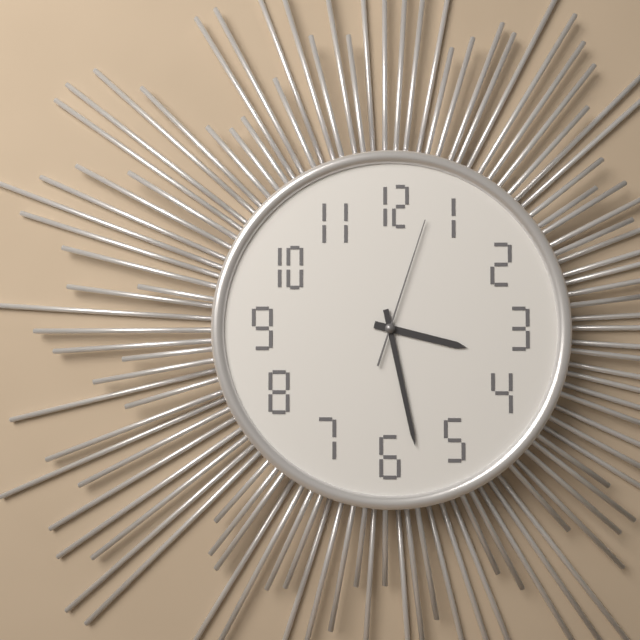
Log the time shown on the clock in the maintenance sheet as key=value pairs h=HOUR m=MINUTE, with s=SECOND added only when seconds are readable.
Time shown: h=3 m=28 s=3
